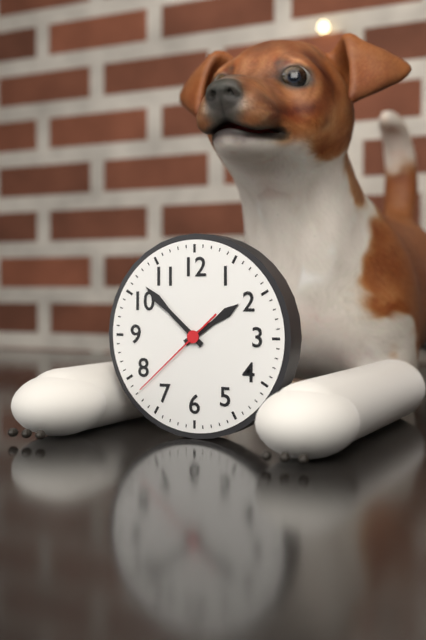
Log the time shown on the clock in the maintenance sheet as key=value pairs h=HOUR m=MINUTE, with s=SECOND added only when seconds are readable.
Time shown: h=1 m=52 s=38
